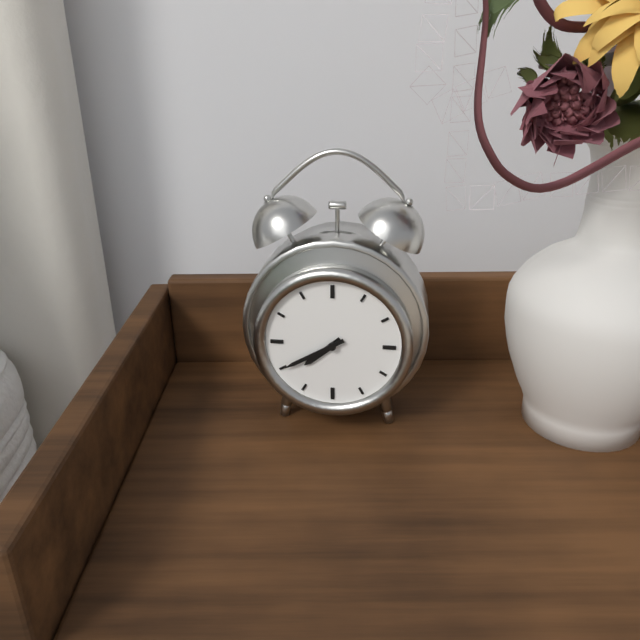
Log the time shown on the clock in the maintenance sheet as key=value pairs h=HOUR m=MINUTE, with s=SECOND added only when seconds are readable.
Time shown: h=7 m=40
